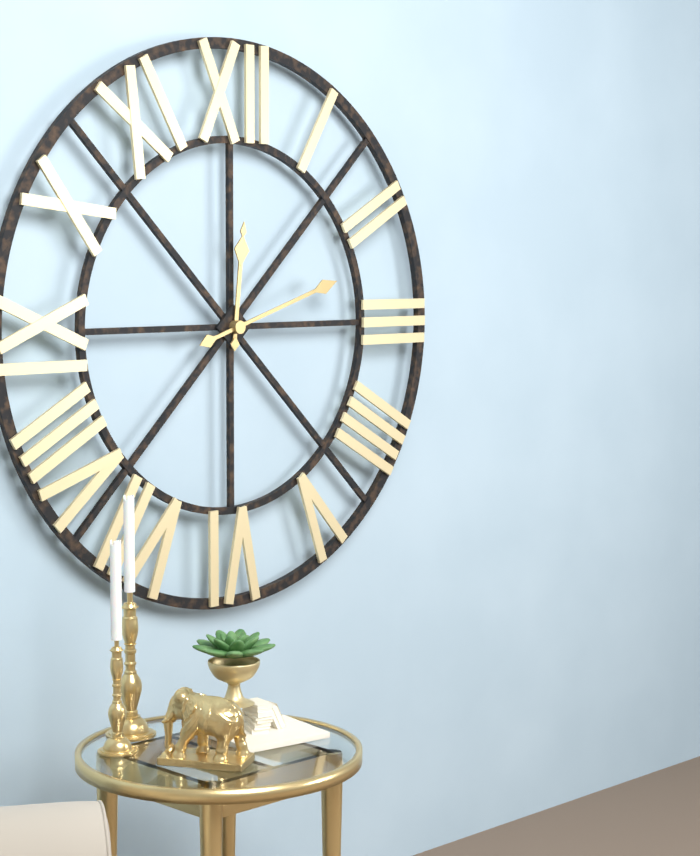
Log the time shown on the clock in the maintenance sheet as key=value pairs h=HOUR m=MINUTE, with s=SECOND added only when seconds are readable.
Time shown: h=12 m=12
